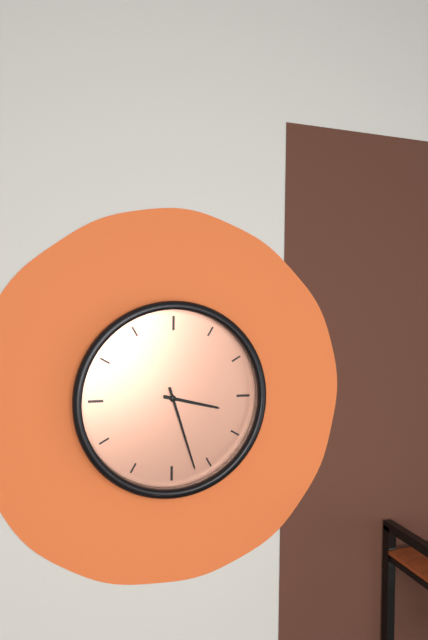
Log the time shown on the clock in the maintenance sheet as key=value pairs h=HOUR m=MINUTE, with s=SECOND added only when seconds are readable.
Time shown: h=3 m=27
